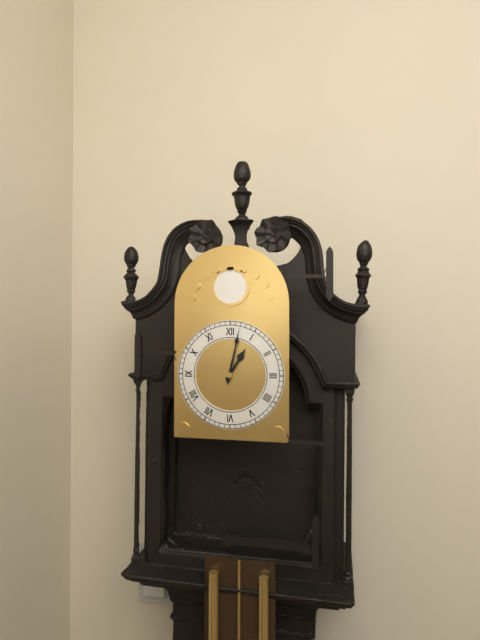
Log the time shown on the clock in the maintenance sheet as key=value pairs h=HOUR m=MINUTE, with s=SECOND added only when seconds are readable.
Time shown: h=1 m=2
